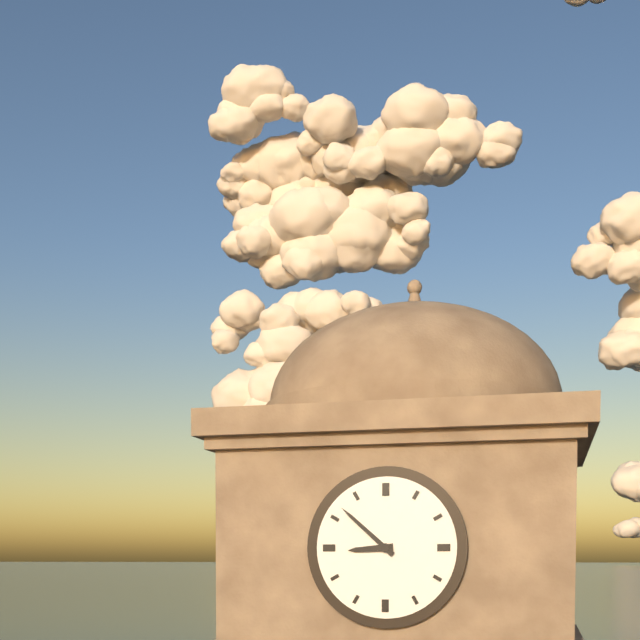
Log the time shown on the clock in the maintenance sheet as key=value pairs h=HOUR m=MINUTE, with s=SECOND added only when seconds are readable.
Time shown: h=8 m=52
